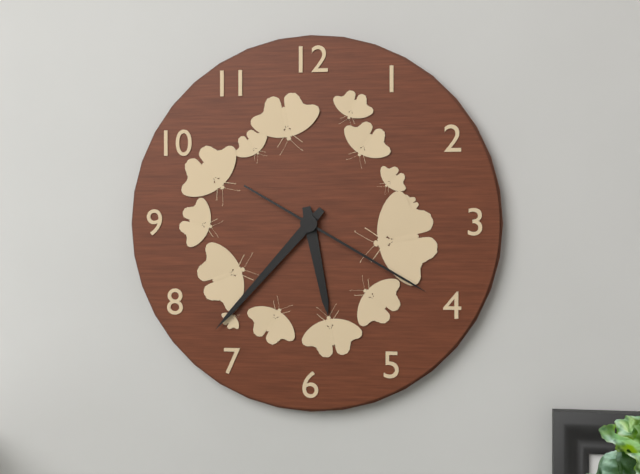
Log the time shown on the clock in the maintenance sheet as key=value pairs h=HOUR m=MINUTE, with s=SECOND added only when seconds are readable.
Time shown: h=5 m=37 s=20
